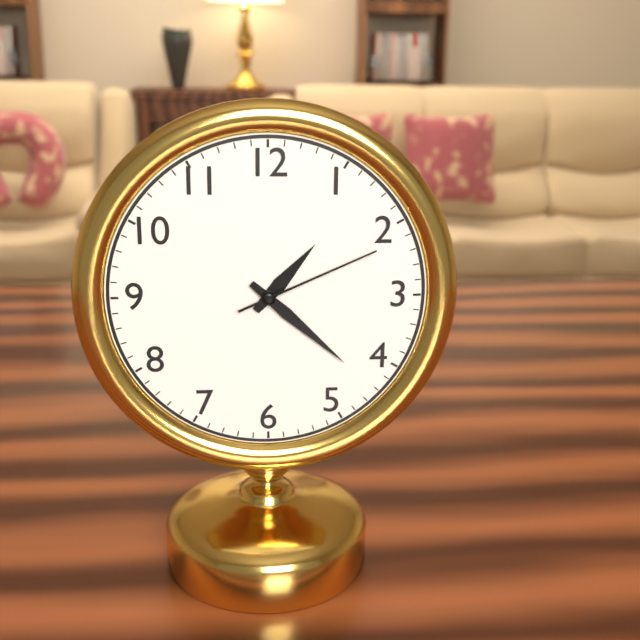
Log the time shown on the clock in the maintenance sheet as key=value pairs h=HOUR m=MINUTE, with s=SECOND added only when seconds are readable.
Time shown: h=1 m=22 s=11
